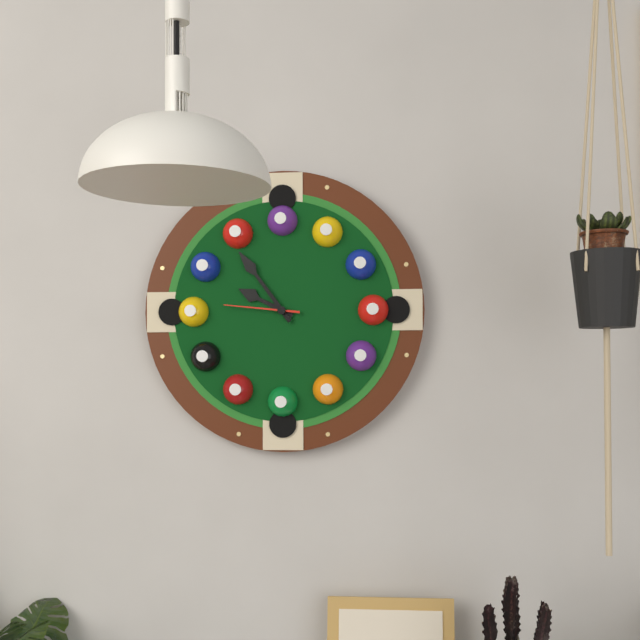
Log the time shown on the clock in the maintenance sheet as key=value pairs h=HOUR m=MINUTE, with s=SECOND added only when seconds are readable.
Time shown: h=9 m=54 s=46
